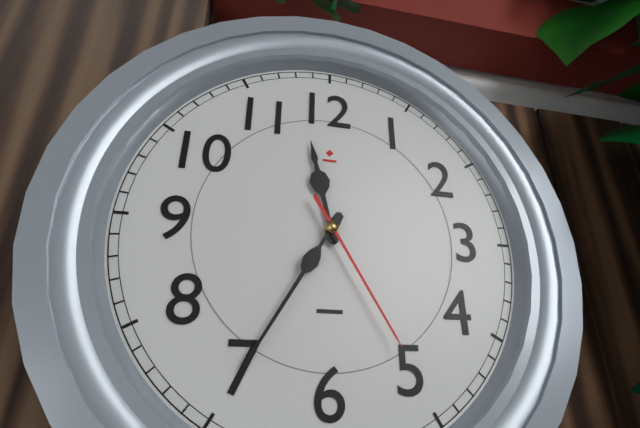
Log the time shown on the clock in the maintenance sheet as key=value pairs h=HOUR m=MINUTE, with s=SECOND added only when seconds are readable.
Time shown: h=11 m=35 s=25
